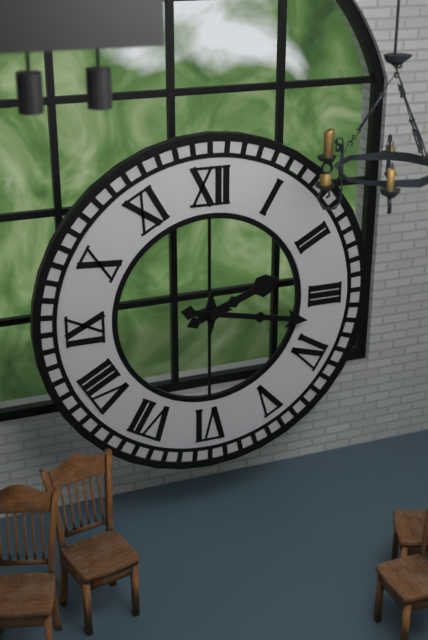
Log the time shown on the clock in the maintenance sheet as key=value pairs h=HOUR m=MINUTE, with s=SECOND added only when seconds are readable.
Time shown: h=2 m=17
